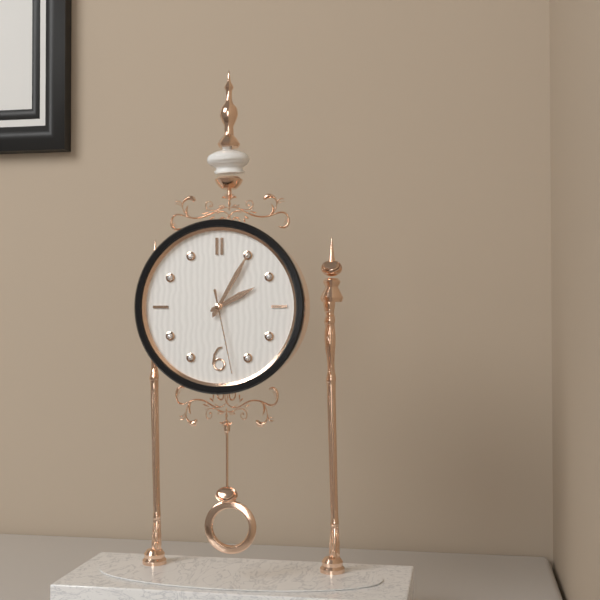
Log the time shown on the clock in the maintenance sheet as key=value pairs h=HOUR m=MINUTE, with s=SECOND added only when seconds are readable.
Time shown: h=2 m=5 s=28
